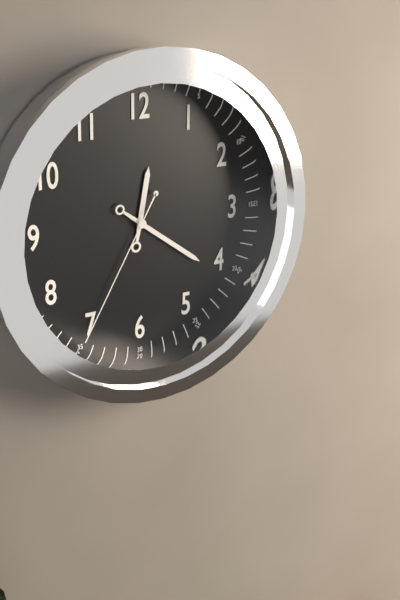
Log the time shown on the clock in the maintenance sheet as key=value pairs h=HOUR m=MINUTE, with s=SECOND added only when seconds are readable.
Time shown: h=12 m=21 s=35
